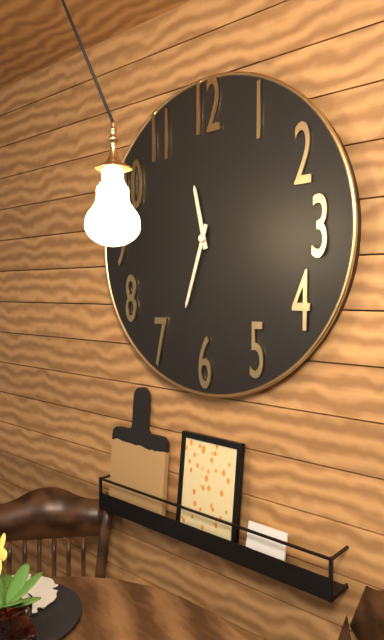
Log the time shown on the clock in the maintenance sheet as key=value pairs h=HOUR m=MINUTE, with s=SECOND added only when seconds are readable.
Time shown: h=11 m=33
